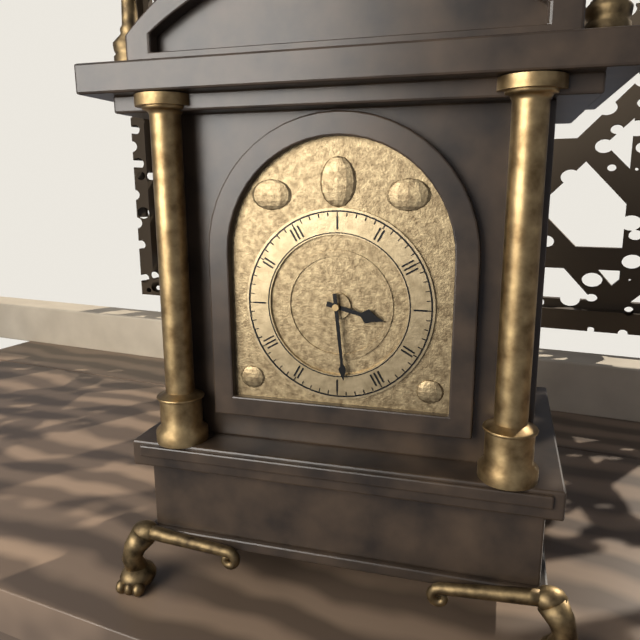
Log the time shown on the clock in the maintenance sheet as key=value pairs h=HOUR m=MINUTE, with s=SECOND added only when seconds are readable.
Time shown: h=3 m=29
